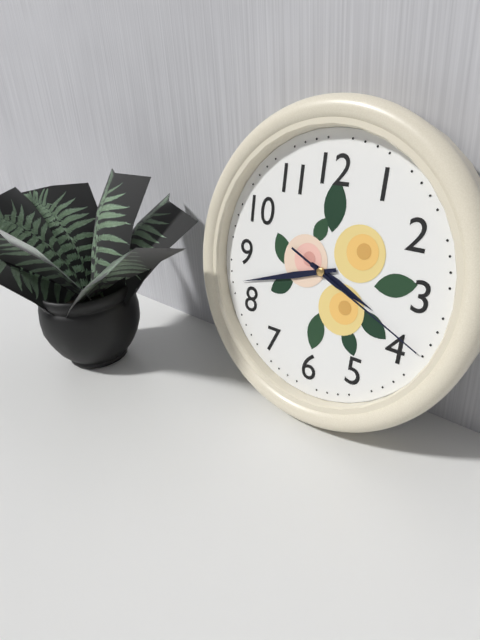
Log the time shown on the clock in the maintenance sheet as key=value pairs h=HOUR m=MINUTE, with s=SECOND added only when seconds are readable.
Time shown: h=3 m=42 s=19
